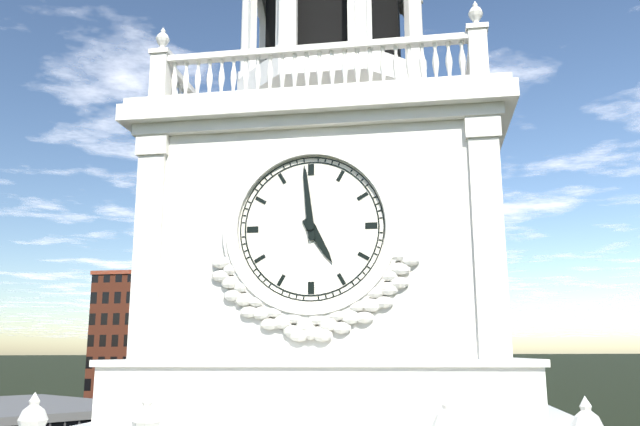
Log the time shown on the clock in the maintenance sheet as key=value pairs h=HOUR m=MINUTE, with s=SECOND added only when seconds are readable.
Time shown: h=4 m=59
